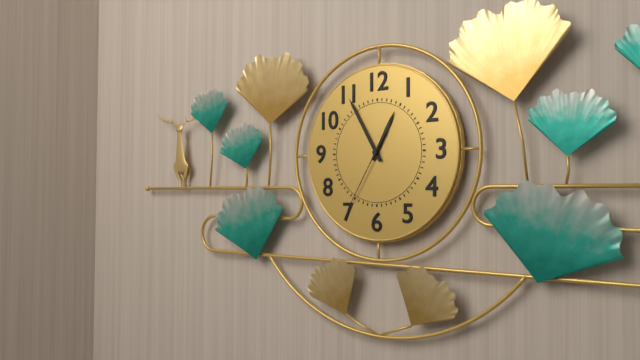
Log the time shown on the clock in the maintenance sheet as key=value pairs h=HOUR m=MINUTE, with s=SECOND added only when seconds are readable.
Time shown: h=12 m=55 s=35
